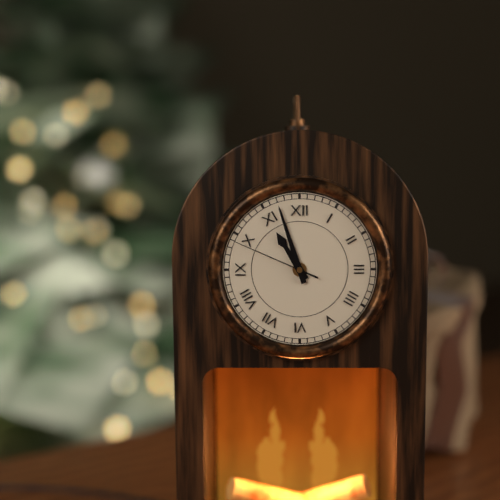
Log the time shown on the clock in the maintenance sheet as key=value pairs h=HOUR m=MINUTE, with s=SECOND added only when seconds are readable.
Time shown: h=10 m=57 s=49
